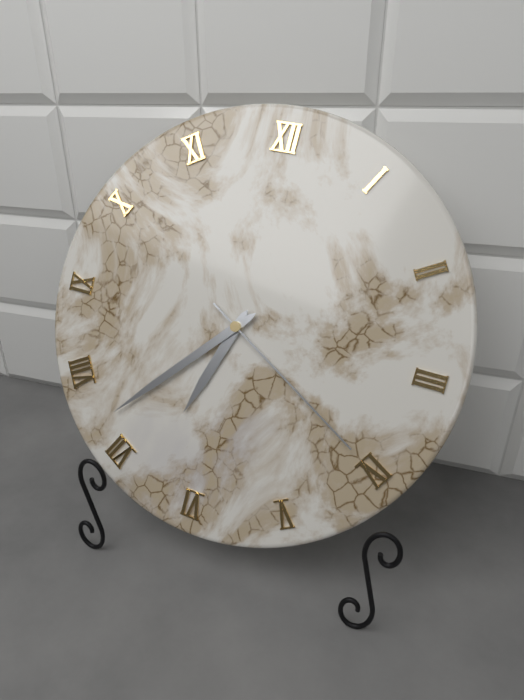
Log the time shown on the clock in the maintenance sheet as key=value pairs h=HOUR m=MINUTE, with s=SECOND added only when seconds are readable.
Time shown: h=6 m=37 s=20
